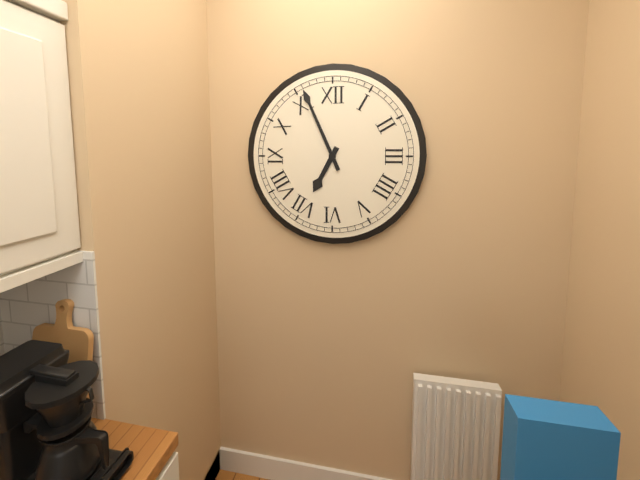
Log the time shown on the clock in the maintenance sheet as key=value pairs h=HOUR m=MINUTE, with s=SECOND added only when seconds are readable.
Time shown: h=6 m=56
